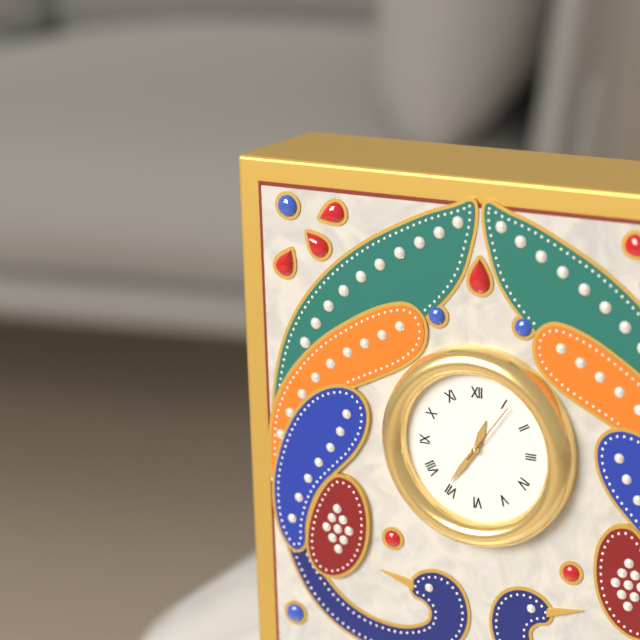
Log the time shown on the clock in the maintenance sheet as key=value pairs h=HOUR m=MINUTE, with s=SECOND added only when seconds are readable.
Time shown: h=12 m=36 s=6
